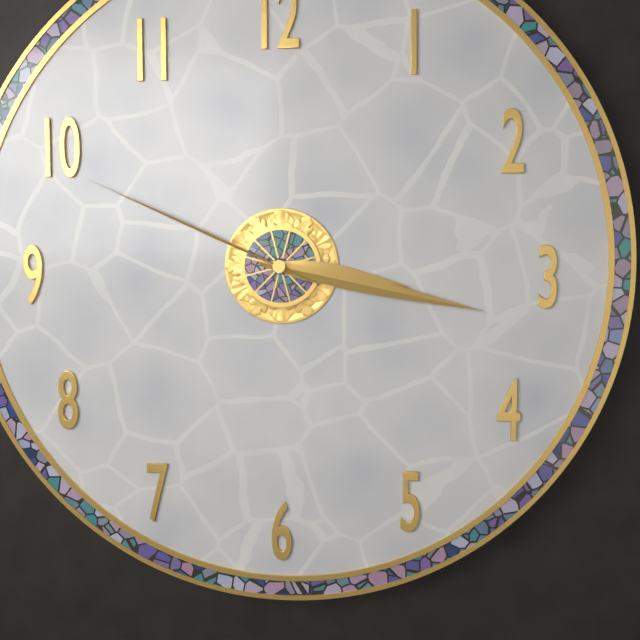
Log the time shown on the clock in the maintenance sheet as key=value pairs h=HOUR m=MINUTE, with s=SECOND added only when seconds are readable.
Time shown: h=3 m=17 s=49
